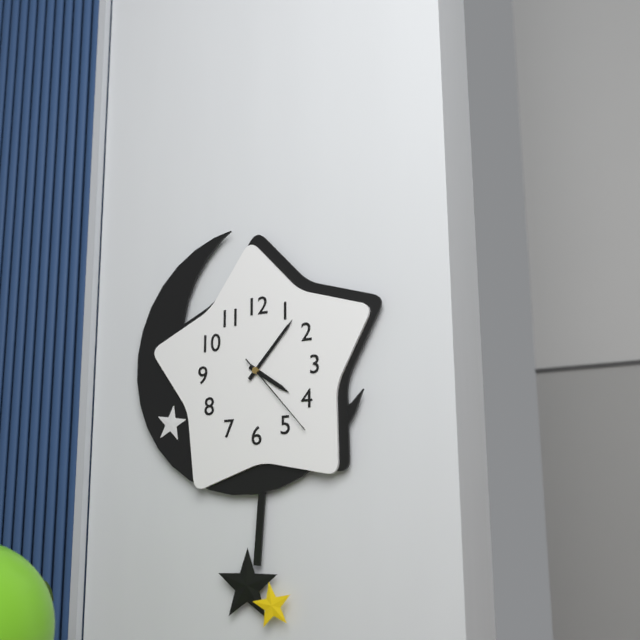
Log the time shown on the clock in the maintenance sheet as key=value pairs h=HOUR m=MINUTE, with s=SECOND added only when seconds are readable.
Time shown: h=4 m=7 s=23
